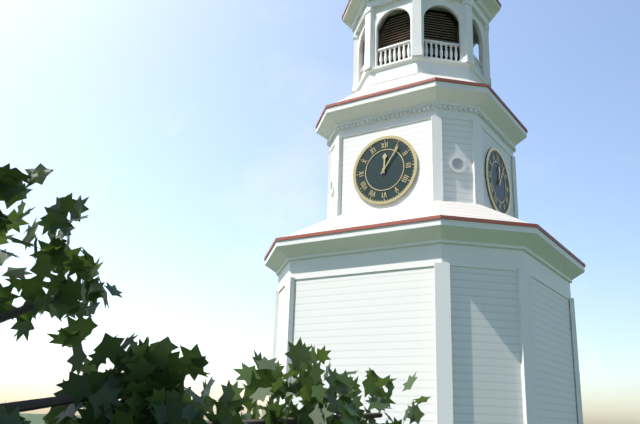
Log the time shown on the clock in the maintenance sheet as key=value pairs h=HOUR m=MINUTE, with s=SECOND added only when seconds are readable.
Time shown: h=12 m=6
